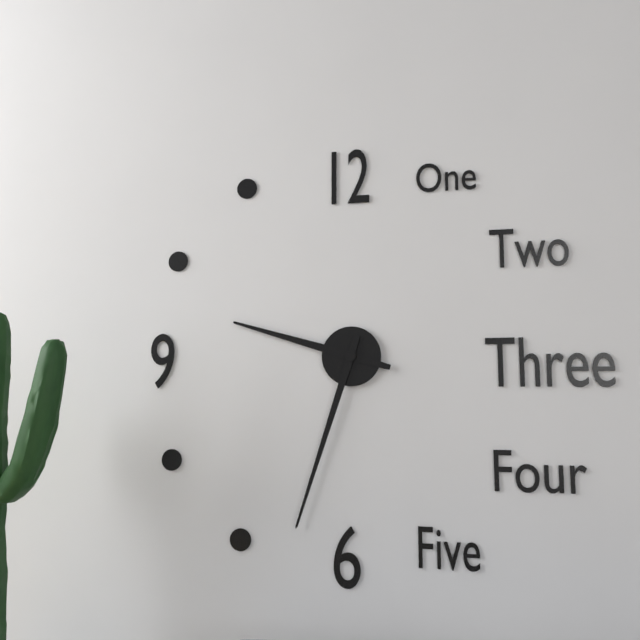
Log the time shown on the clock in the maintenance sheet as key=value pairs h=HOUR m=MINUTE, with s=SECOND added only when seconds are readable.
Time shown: h=9 m=33
